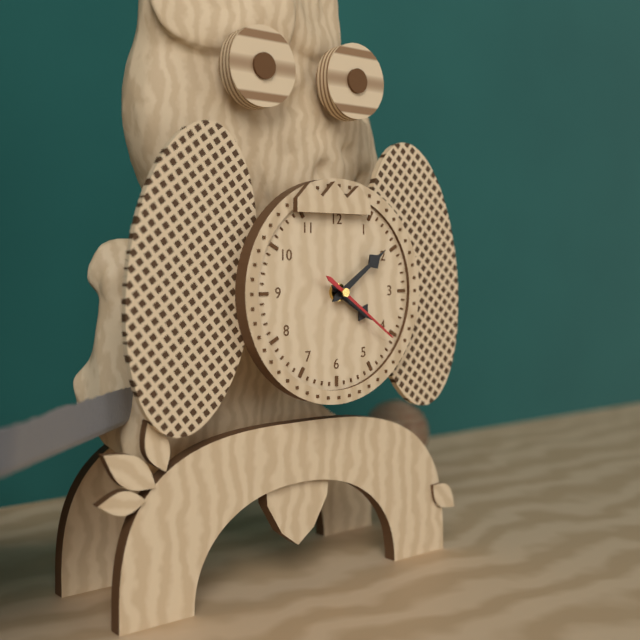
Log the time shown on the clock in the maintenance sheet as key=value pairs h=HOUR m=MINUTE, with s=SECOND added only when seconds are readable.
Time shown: h=4 m=9 s=21
